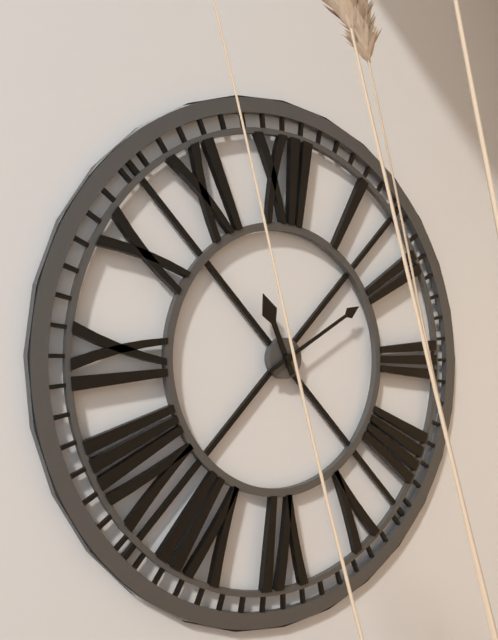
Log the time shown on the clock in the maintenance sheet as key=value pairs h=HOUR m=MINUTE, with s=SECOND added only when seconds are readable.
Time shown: h=11 m=10
